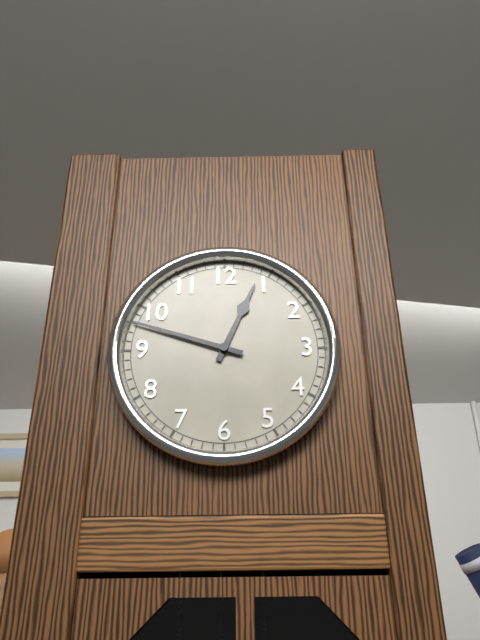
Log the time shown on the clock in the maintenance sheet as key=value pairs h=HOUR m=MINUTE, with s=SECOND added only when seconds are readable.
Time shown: h=12 m=48
